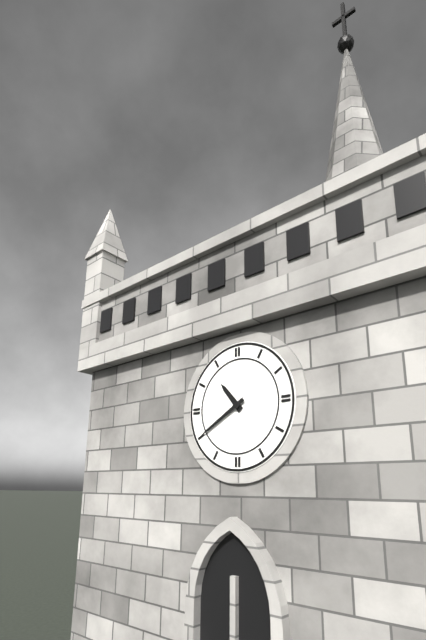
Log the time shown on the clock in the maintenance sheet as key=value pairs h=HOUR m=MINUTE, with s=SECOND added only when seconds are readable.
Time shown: h=10 m=40
